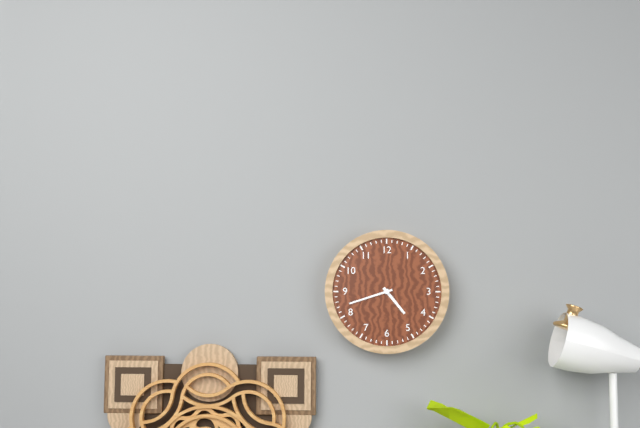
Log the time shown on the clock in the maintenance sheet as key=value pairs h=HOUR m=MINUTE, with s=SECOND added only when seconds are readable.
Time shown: h=4 m=42
